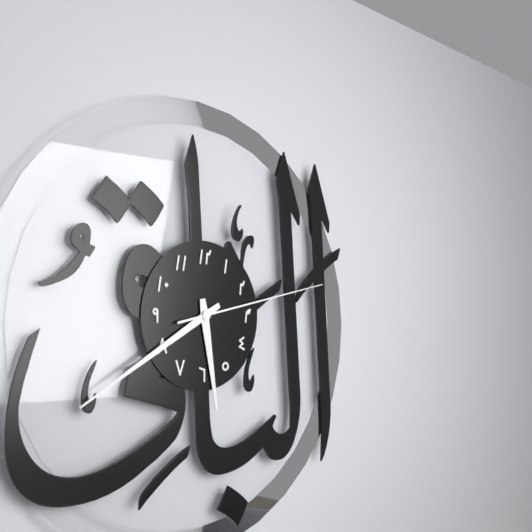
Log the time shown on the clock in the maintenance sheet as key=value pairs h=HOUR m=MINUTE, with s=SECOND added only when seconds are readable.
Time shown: h=5 m=40 s=13
